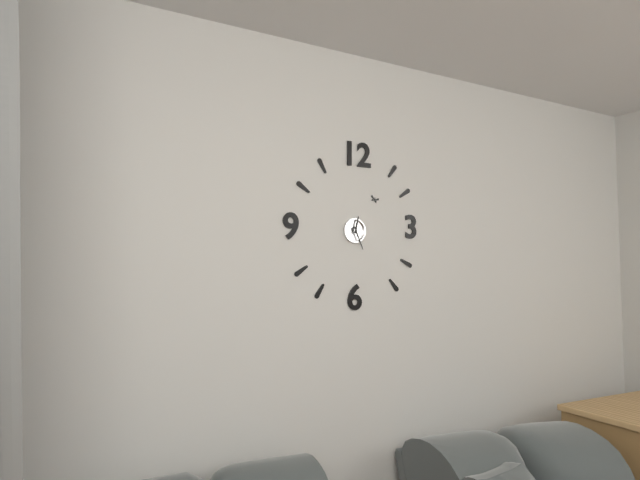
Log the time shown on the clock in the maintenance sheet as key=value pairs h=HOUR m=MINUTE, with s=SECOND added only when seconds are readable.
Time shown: h=12 m=26
